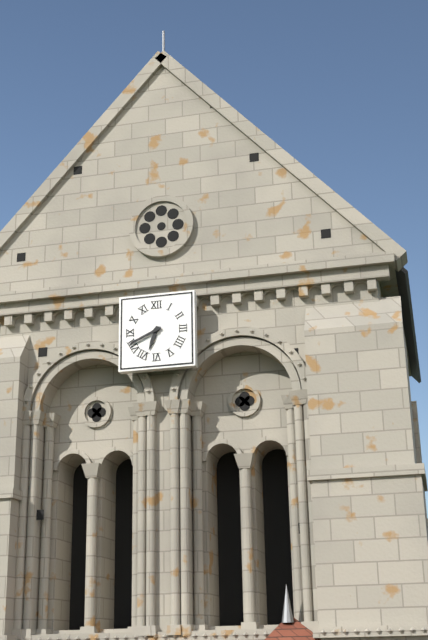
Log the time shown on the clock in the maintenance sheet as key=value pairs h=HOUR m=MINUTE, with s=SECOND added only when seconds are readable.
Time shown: h=6 m=41
